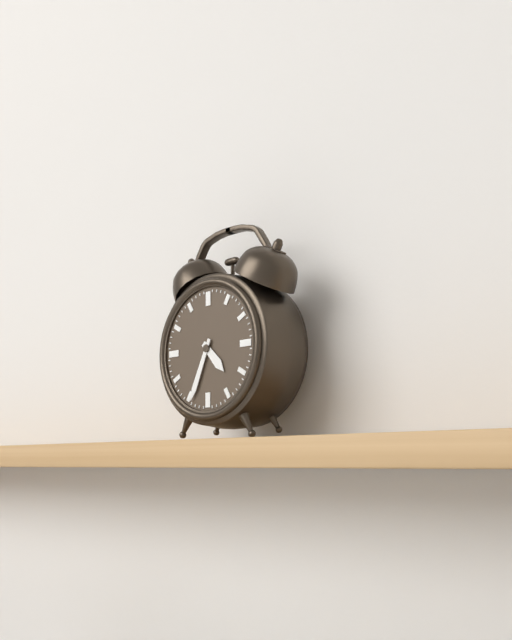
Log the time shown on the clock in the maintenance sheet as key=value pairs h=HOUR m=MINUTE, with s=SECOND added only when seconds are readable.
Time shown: h=4 m=34
